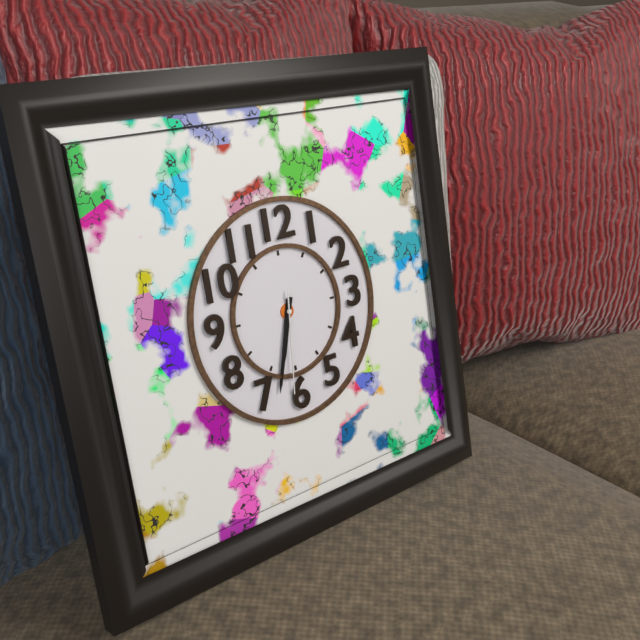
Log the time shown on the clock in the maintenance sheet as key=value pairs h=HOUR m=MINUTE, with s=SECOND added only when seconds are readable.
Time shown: h=6 m=33 s=31
